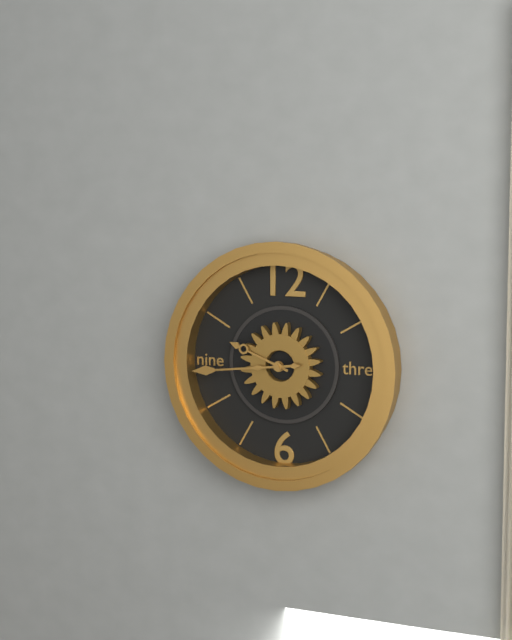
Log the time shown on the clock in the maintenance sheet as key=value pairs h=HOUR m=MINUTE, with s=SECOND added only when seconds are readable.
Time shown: h=9 m=44
